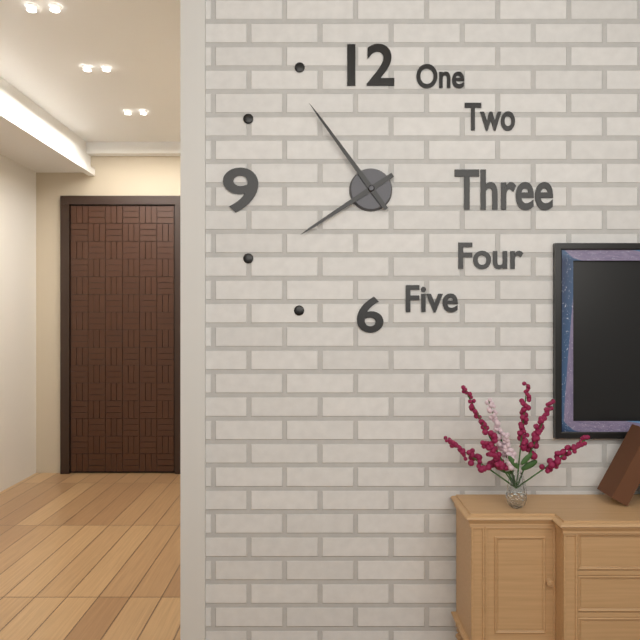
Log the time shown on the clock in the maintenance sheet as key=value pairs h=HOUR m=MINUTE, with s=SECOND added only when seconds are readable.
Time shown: h=7 m=54
